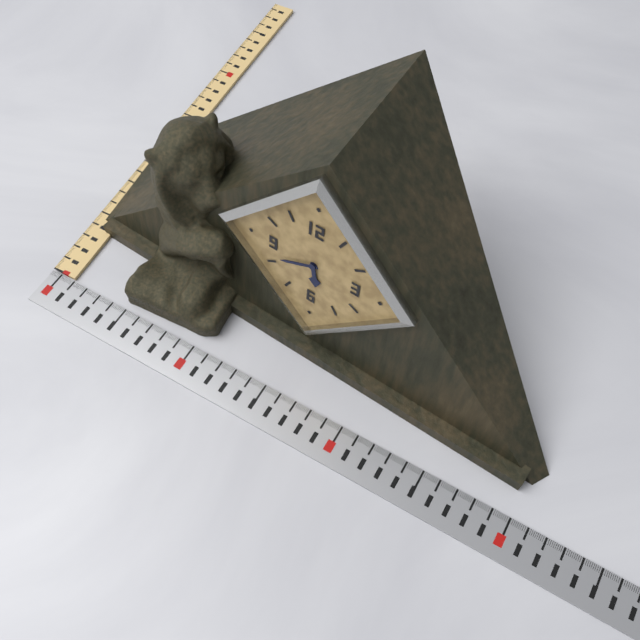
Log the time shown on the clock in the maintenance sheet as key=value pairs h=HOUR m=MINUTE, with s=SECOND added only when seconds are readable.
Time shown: h=5 m=41
